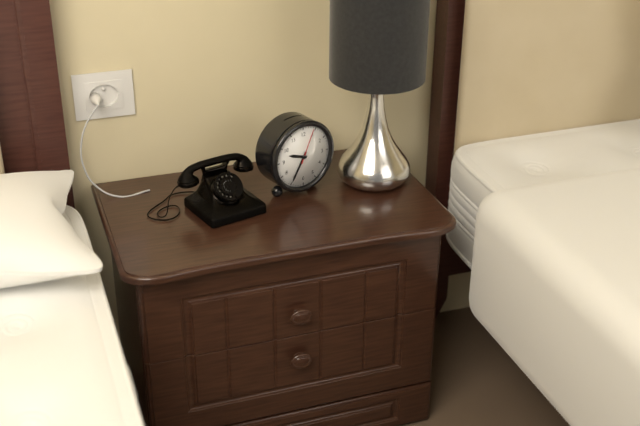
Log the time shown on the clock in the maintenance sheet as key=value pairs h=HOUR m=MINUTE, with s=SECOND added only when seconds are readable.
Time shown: h=9 m=35
